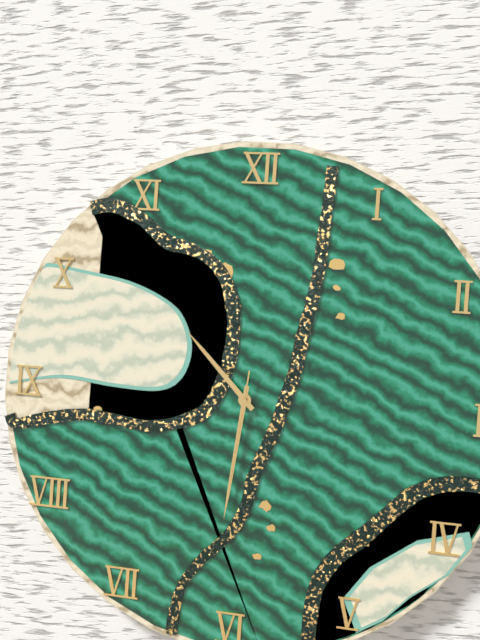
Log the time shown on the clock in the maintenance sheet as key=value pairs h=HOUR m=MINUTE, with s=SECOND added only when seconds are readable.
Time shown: h=10 m=31 s=31
